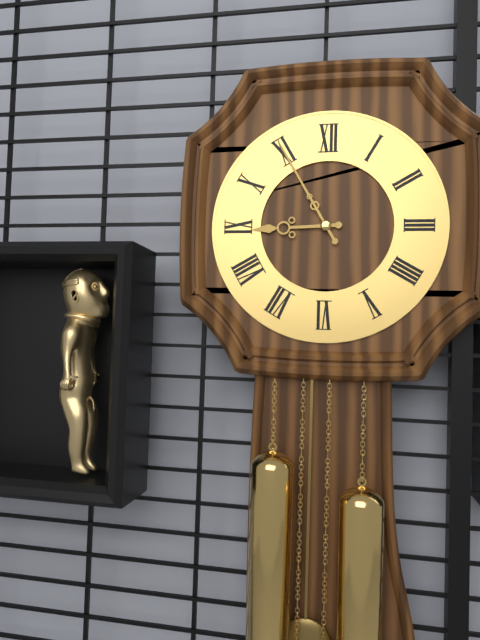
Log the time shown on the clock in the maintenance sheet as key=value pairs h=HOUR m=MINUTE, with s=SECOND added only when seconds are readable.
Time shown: h=8 m=55
